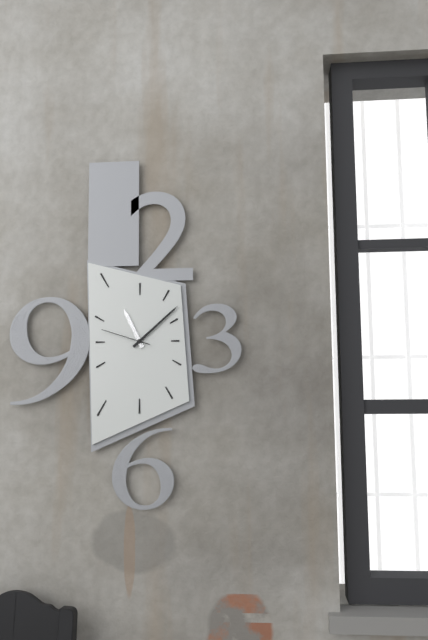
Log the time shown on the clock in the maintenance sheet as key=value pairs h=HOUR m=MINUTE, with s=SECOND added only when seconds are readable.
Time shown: h=11 m=8
